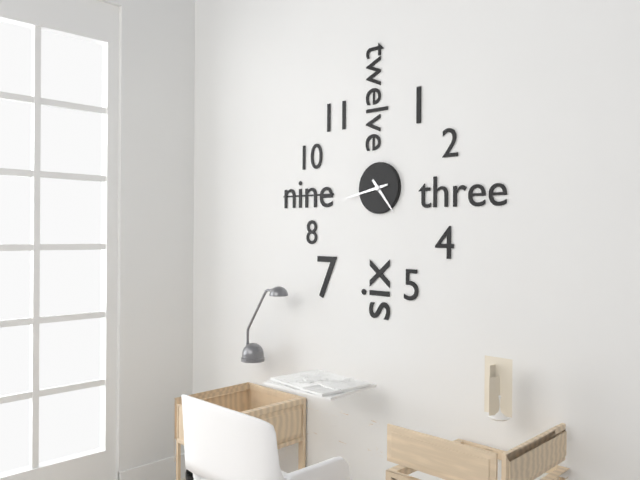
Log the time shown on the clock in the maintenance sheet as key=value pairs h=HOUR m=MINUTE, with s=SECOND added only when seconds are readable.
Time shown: h=4 m=43
